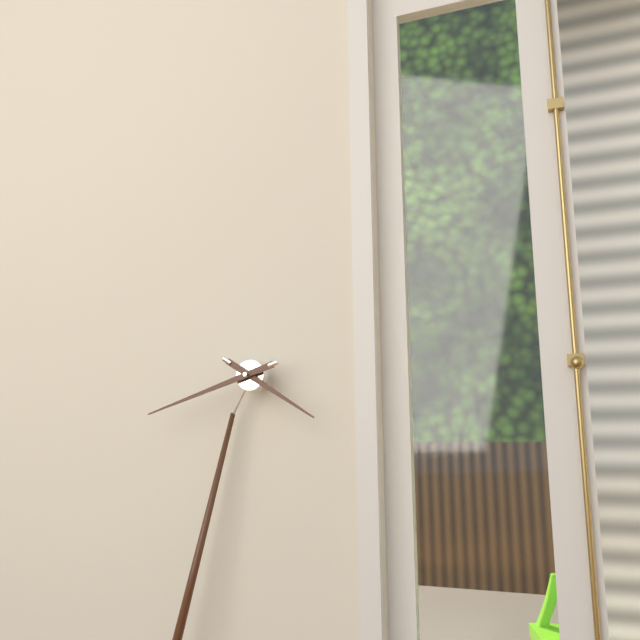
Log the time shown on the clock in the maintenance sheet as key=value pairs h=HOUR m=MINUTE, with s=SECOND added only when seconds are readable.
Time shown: h=3 m=40
